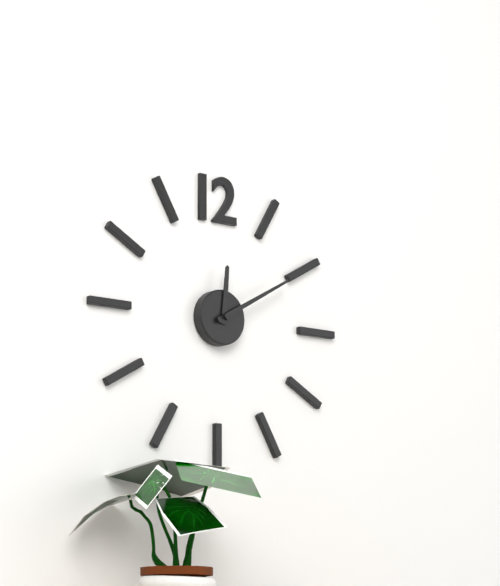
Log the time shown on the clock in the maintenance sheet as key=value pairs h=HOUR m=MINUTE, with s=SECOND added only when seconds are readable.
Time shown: h=12 m=10
